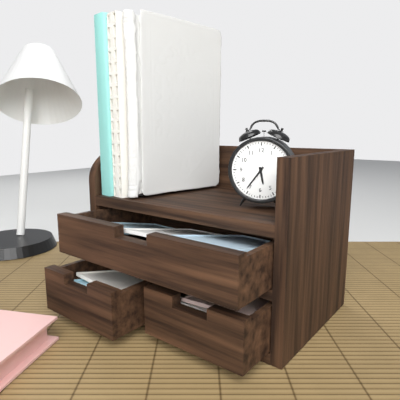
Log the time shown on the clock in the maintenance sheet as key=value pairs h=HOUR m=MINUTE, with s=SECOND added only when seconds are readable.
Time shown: h=5 m=36
